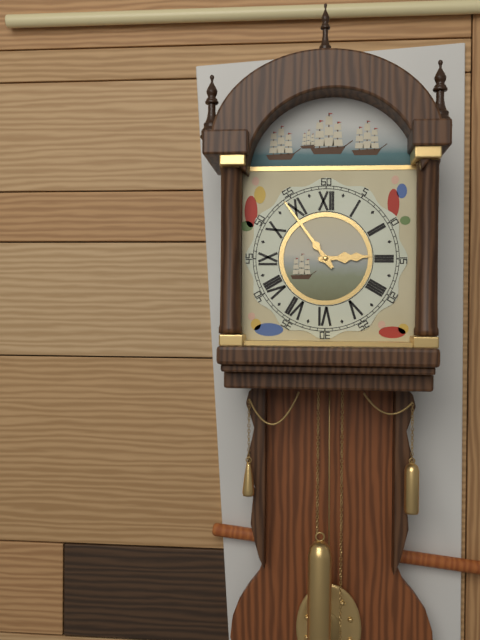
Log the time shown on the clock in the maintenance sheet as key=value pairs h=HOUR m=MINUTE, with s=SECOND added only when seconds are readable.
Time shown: h=2 m=54
